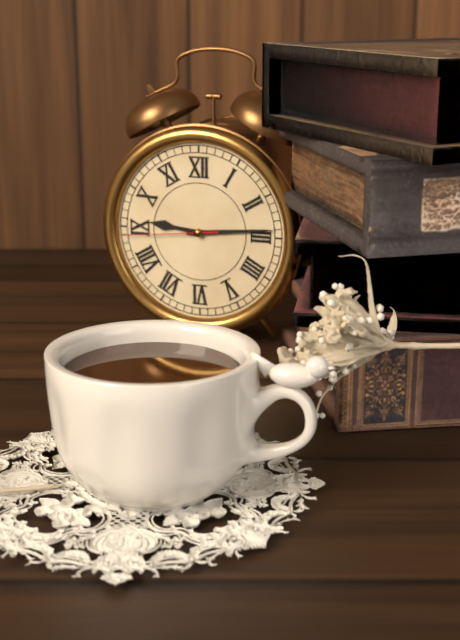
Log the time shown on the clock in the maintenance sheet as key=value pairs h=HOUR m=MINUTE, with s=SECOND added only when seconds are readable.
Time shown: h=9 m=14 s=44
